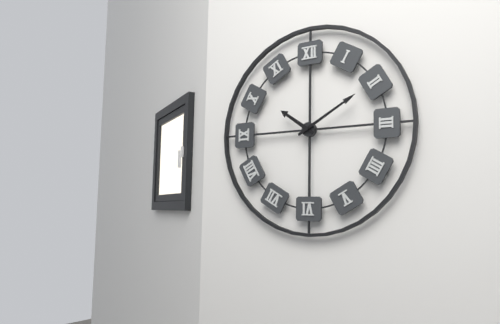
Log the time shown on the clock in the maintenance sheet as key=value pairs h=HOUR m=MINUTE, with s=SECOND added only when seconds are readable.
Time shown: h=10 m=10
